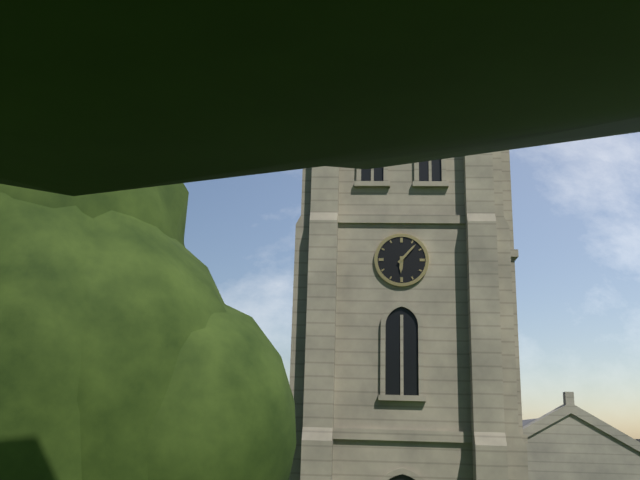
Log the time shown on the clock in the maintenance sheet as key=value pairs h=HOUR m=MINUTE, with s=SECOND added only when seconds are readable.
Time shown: h=6 m=7
